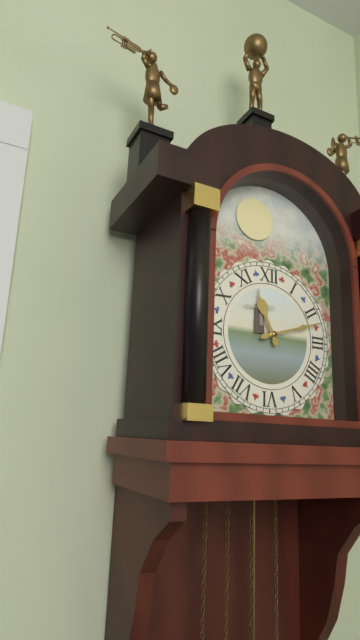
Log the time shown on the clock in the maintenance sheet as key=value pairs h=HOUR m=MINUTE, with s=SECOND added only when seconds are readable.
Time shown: h=11 m=12
